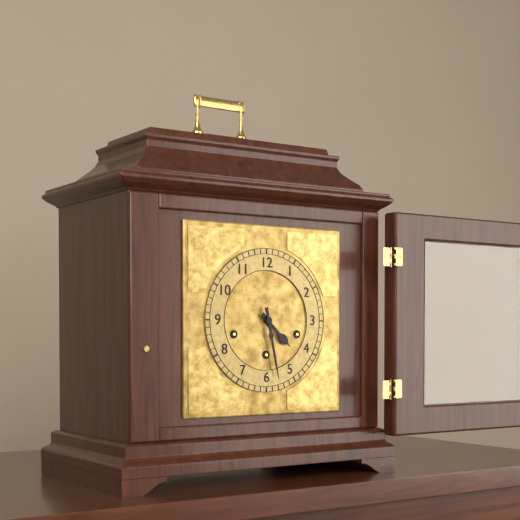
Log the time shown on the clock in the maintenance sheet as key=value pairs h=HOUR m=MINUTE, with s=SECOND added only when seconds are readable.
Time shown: h=4 m=28
